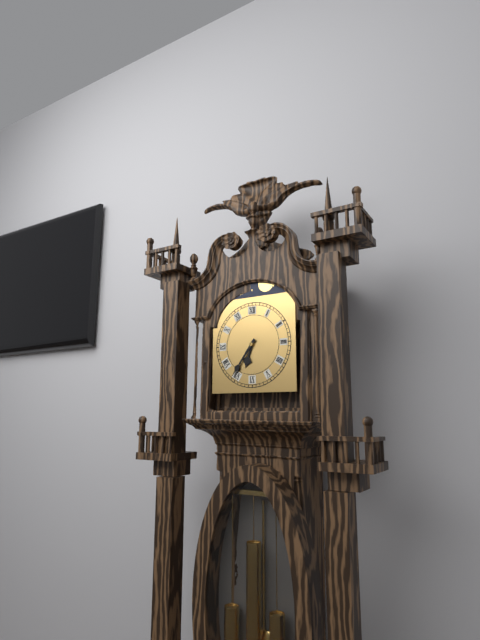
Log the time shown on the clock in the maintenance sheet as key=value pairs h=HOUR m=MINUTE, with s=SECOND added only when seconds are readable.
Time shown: h=6 m=36
